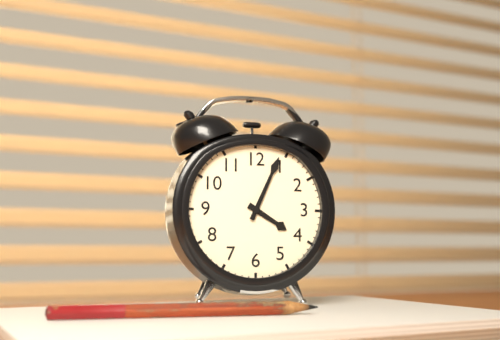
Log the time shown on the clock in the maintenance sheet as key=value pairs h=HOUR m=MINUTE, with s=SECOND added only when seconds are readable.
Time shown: h=4 m=4
